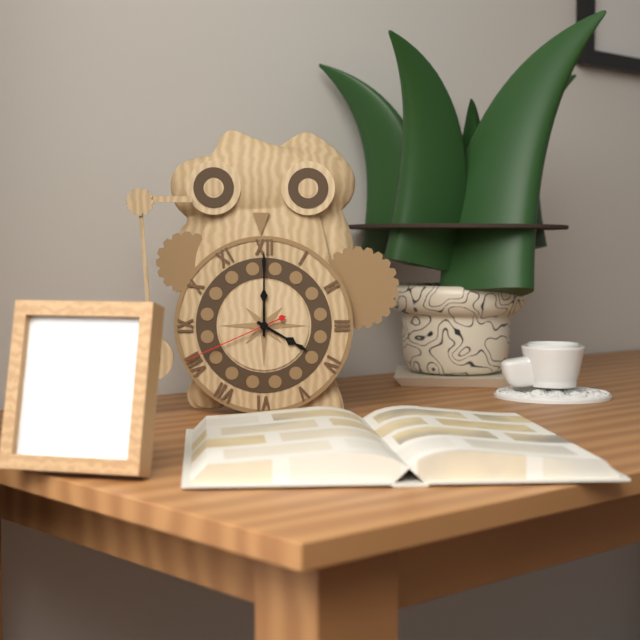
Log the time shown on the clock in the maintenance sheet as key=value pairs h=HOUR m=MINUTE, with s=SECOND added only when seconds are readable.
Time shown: h=4 m=0 s=41
